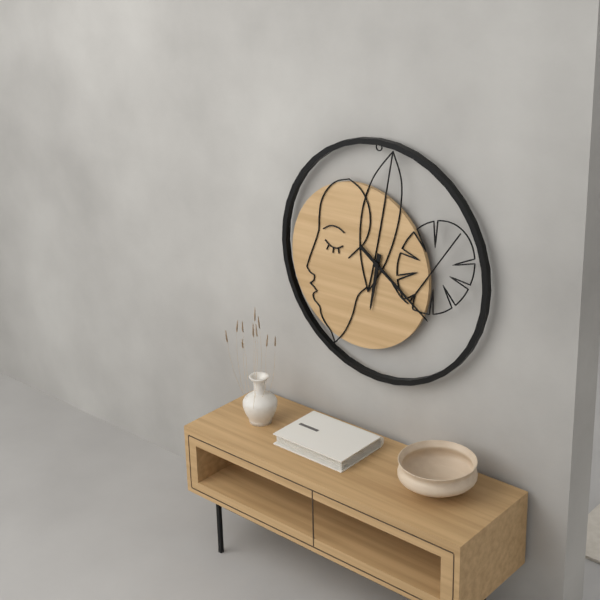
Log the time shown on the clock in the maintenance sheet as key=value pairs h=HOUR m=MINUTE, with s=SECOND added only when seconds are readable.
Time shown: h=6 m=21
